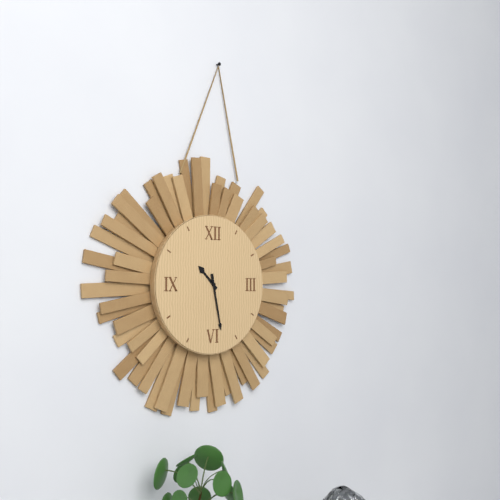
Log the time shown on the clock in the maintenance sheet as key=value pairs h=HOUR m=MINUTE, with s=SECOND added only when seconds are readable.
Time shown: h=10 m=28
